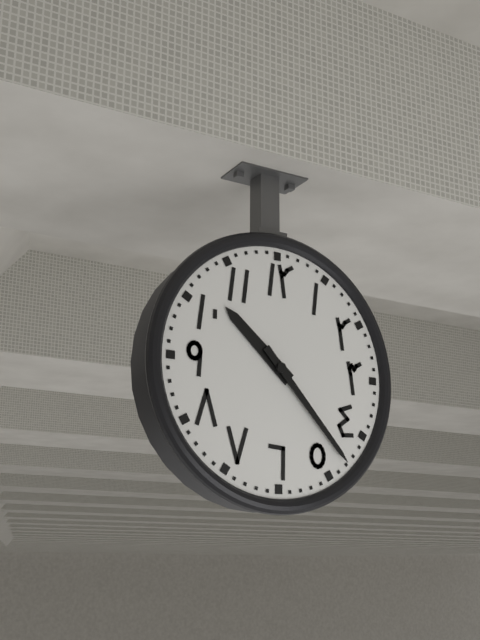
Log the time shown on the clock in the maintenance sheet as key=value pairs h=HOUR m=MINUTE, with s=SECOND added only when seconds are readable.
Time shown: h=10 m=23
